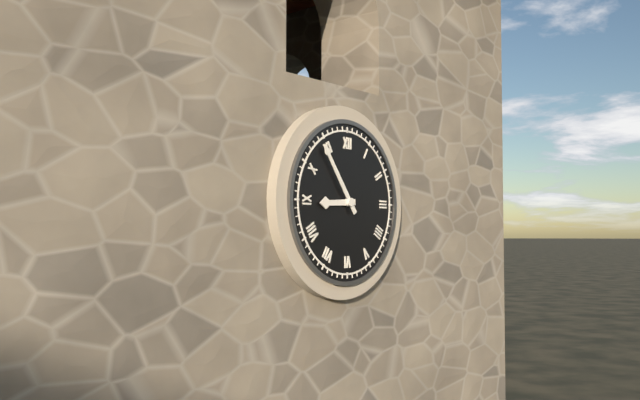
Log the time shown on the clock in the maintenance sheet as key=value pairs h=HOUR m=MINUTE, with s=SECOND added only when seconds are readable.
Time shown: h=8 m=54
